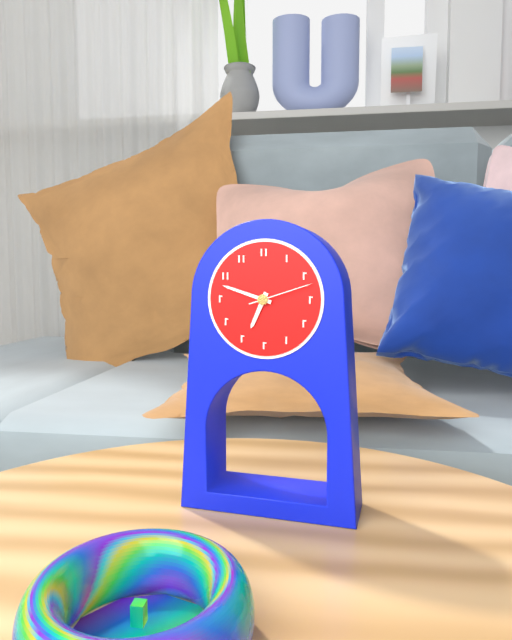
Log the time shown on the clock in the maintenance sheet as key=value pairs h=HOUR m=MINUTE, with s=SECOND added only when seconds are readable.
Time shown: h=6 m=48 s=12
